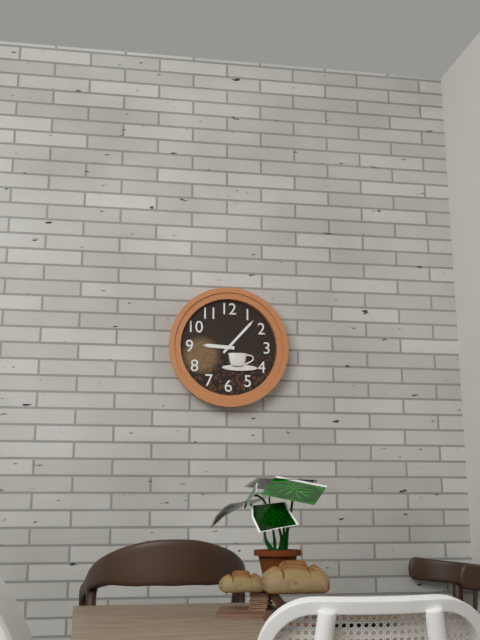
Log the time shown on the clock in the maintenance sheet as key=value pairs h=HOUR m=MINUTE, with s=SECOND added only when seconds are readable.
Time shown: h=9 m=7
